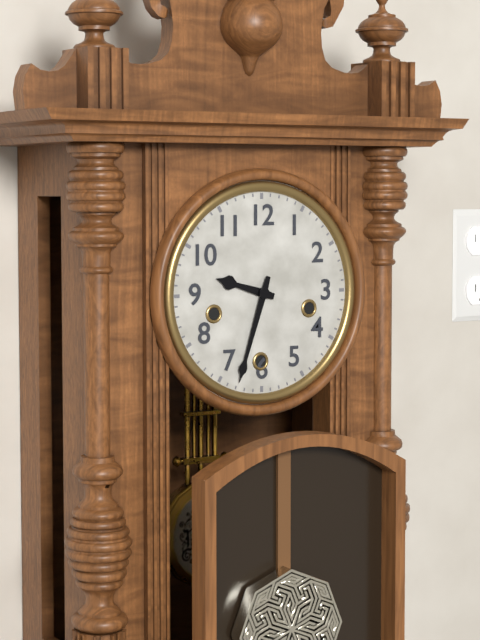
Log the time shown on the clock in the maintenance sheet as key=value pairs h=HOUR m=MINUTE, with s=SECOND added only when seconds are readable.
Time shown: h=9 m=33
